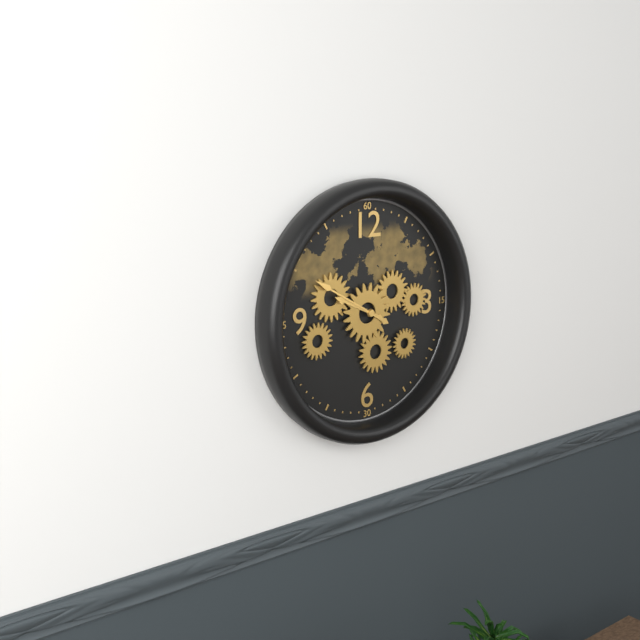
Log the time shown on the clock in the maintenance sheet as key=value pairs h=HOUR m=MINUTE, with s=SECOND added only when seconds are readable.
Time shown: h=9 m=50
